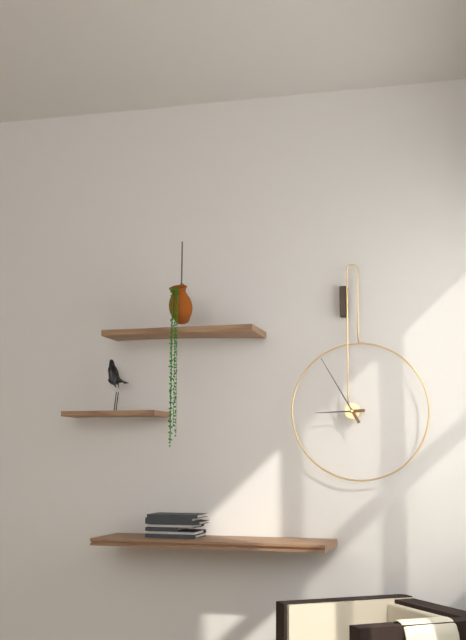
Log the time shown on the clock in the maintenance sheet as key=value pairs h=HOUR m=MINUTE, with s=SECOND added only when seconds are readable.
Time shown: h=8 m=55
